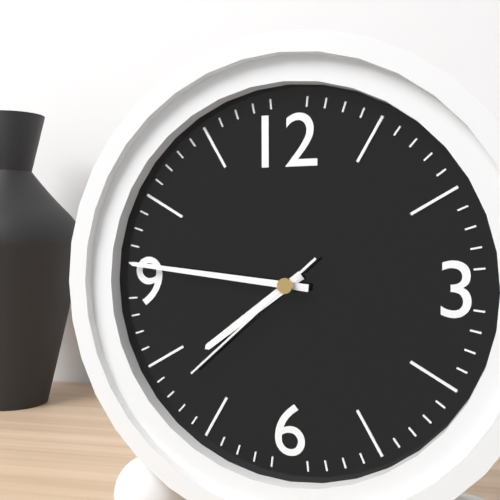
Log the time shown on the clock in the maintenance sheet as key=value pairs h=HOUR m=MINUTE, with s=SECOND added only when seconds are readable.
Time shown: h=7 m=46 s=38
